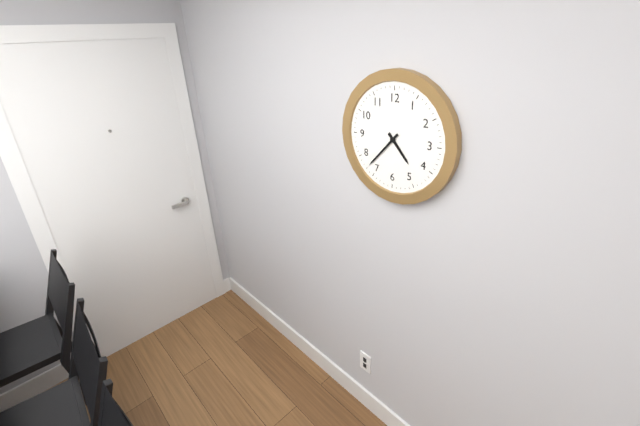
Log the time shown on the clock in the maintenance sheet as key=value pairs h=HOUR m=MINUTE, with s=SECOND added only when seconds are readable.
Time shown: h=4 m=37
